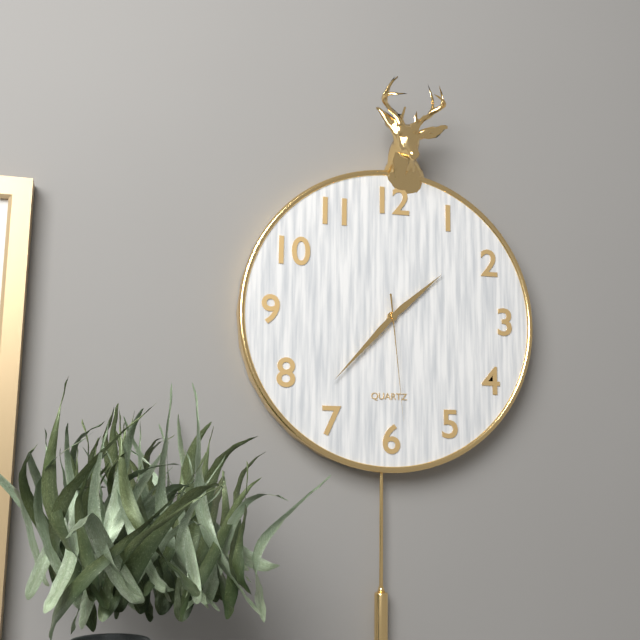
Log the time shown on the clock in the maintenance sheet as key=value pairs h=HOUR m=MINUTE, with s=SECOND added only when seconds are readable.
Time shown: h=1 m=37 s=29
